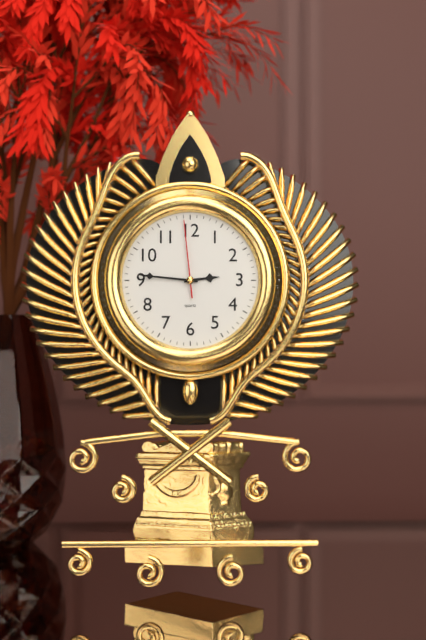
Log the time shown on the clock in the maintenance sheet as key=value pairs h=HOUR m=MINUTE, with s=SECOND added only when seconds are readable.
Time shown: h=2 m=46 s=59
